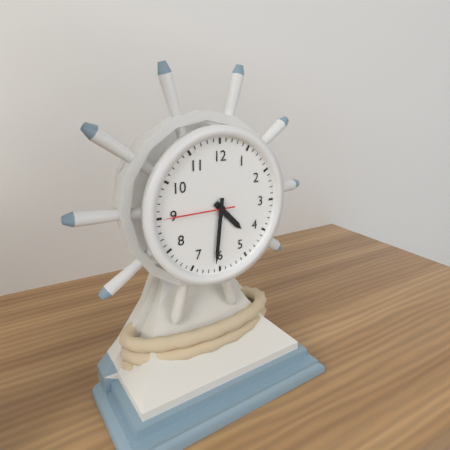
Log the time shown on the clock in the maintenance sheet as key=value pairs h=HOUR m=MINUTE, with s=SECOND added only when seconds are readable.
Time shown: h=4 m=31 s=45
